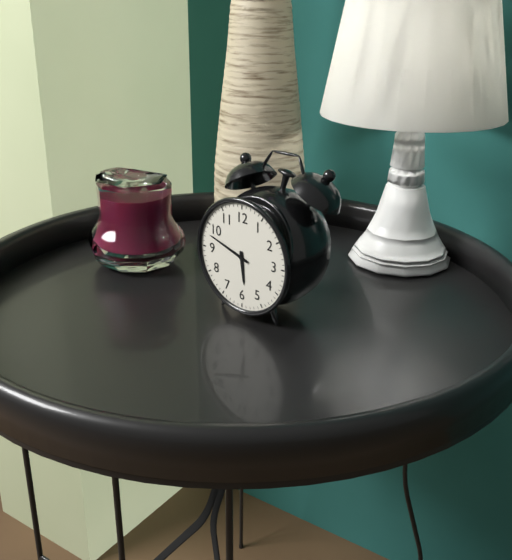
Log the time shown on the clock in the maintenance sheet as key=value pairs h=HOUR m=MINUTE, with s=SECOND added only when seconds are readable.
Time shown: h=5 m=48
